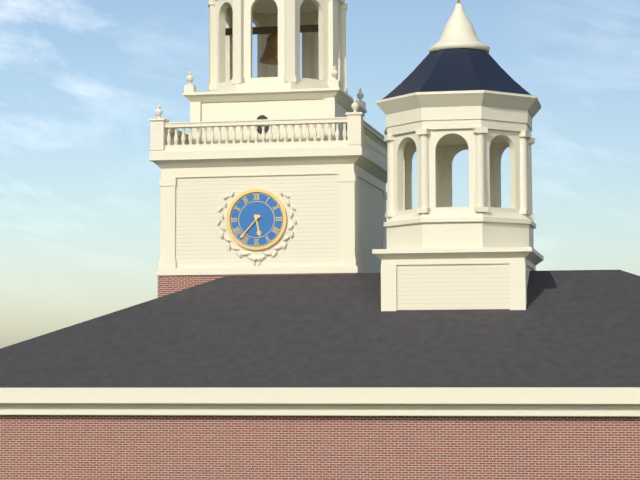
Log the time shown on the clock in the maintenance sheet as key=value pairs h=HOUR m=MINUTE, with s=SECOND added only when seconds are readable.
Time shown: h=5 m=37
